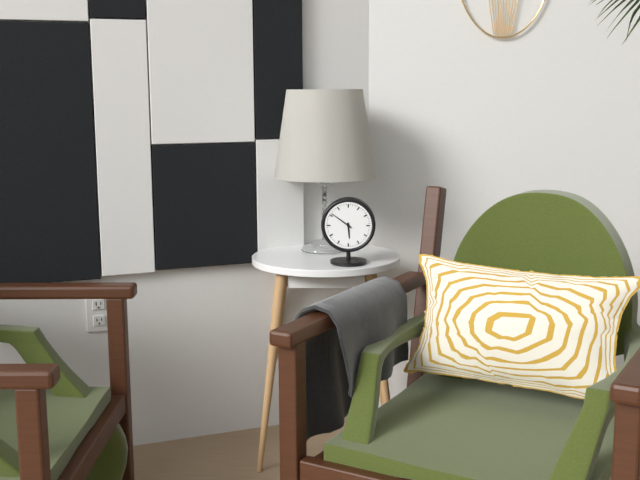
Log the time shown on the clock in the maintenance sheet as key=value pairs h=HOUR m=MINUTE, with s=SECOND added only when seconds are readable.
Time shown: h=5 m=51
